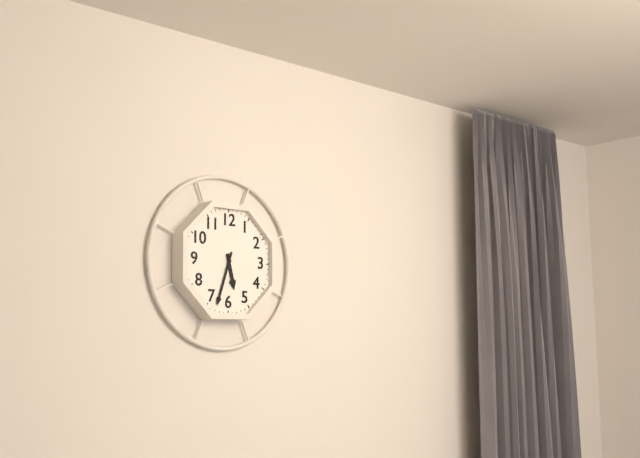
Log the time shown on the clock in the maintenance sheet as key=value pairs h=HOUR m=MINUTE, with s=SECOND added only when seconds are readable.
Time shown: h=5 m=33
